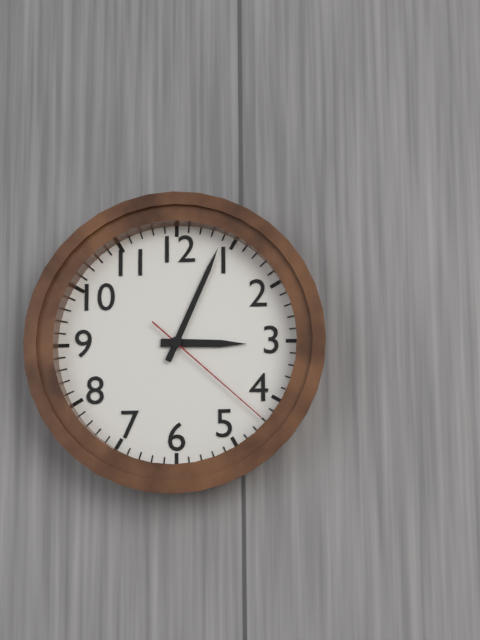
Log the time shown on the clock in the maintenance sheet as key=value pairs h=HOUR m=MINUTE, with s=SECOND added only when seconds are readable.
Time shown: h=3 m=4 s=22
